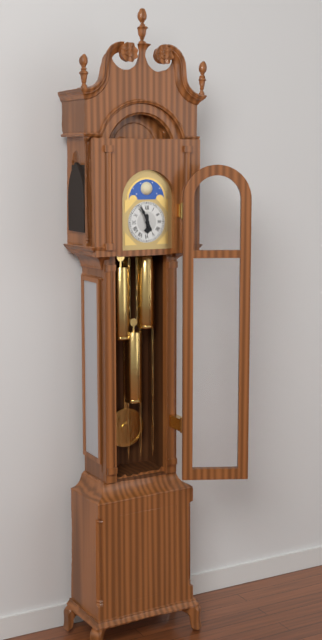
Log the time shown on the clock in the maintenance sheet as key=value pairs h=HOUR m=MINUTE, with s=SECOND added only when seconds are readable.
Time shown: h=5 m=56
